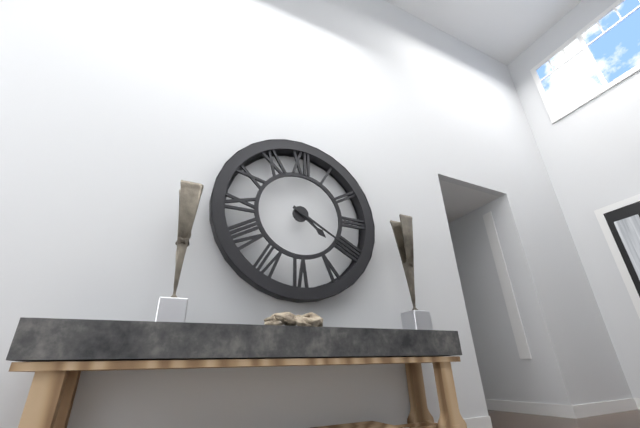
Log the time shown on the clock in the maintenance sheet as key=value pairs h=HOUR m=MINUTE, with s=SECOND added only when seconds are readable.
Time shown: h=4 m=20
